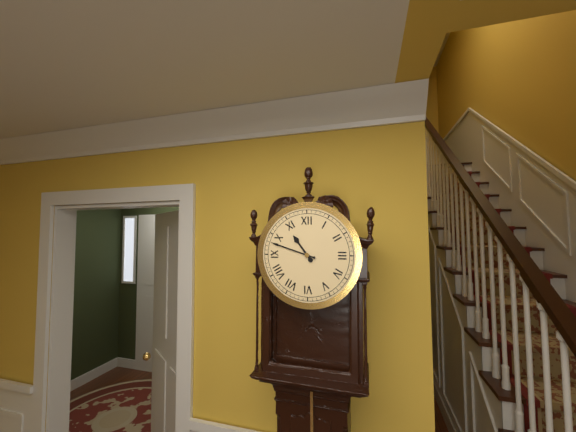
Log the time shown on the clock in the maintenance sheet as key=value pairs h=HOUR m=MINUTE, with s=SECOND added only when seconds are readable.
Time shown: h=10 m=48
